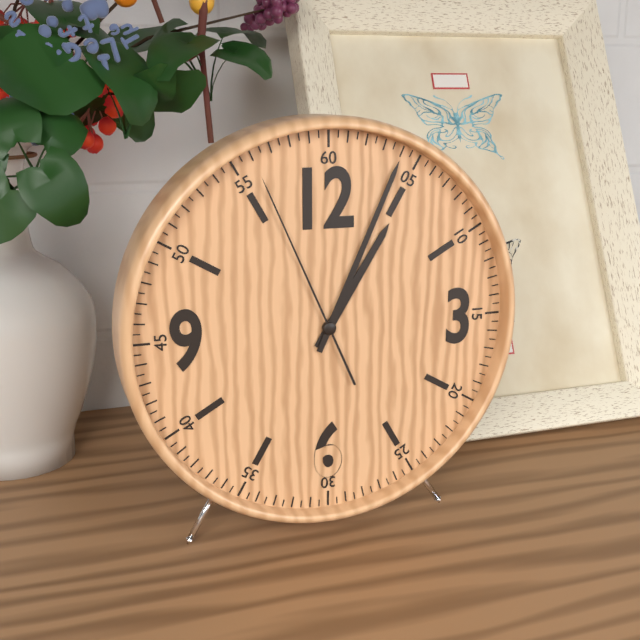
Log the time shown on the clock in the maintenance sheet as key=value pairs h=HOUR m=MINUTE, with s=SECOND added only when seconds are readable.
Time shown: h=1 m=4 s=56
